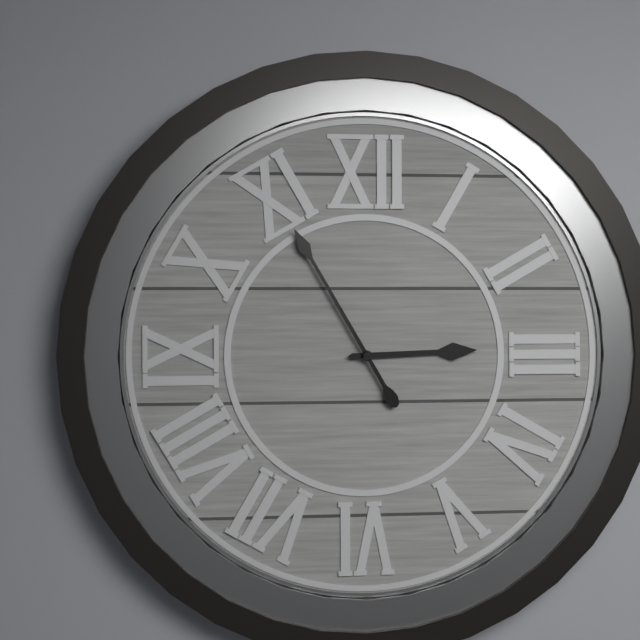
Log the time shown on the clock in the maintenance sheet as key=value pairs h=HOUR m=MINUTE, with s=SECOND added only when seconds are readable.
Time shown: h=2 m=55
